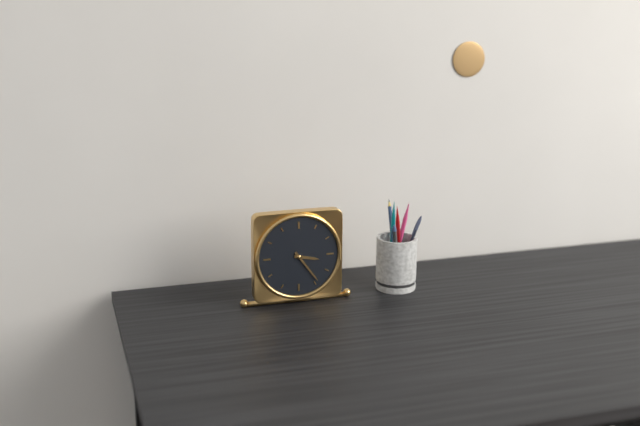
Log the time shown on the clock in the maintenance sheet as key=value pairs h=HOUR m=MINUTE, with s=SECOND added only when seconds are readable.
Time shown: h=3 m=24
